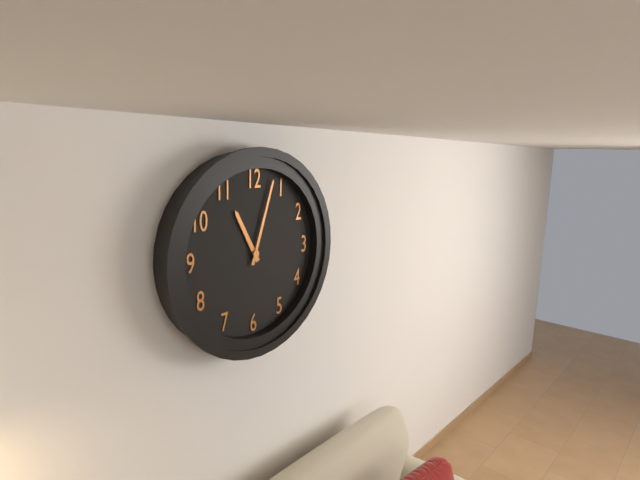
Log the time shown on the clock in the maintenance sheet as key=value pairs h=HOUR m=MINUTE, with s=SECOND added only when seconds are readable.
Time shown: h=11 m=3
